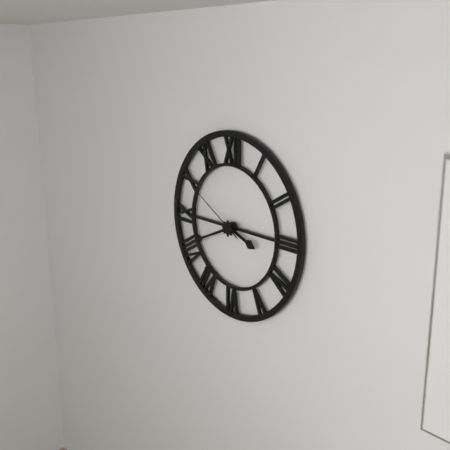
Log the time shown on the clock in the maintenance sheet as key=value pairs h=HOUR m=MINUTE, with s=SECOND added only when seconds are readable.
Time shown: h=3 m=41 s=50
